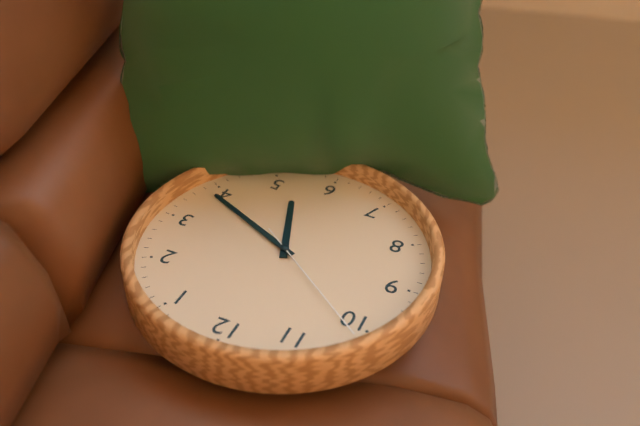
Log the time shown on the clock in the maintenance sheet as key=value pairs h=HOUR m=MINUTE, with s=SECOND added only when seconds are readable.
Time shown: h=5 m=19 s=51
